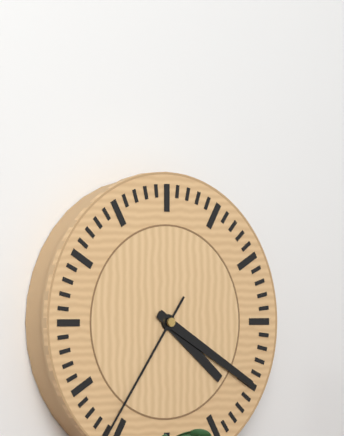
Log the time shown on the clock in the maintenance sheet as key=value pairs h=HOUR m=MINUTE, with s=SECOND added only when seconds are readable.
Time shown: h=4 m=20
